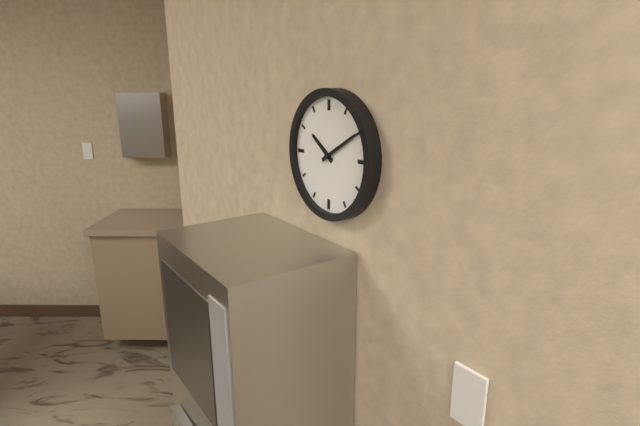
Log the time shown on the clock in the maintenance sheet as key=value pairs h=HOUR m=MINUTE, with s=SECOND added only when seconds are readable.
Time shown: h=10 m=10
